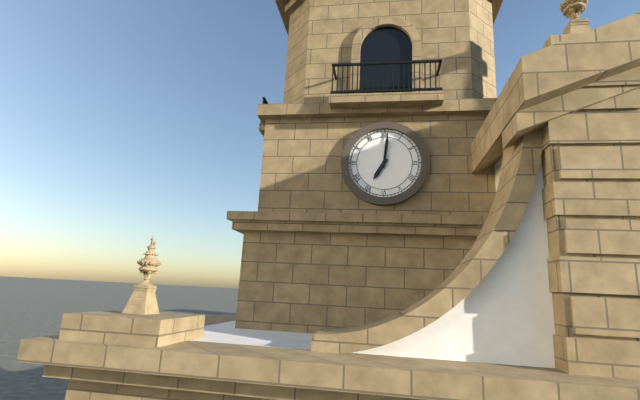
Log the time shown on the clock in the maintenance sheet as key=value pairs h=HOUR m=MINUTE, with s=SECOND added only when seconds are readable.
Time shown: h=7 m=1
